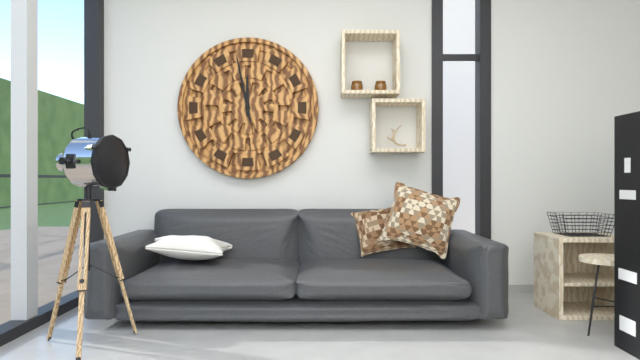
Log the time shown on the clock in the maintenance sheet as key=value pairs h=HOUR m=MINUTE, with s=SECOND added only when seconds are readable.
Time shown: h=11 m=58
